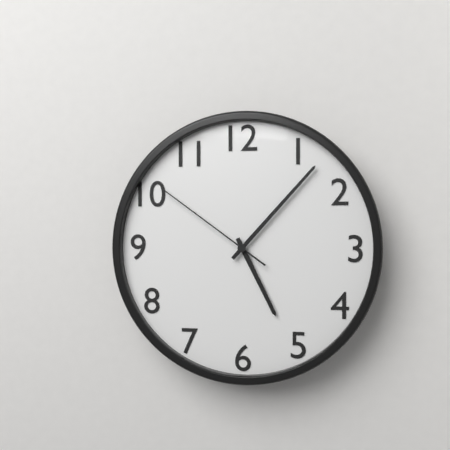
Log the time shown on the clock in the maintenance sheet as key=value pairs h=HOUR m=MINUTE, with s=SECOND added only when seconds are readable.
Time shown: h=5 m=7 s=51
